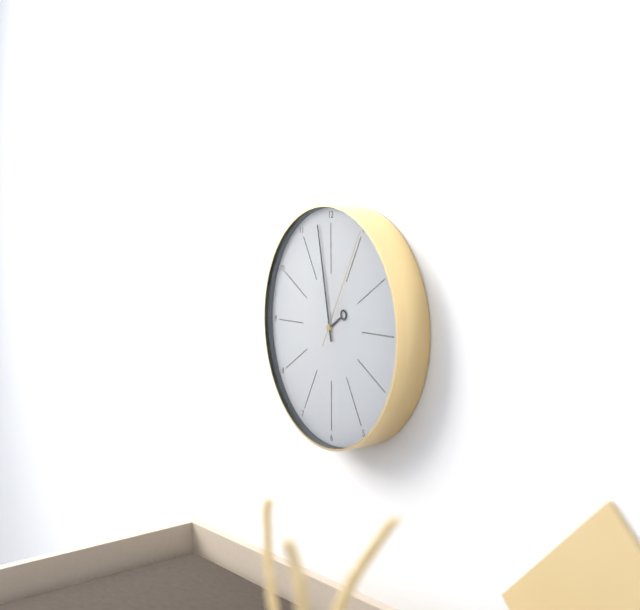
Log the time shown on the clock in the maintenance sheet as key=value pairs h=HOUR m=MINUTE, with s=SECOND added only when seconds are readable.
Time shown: h=1 m=58 s=5
